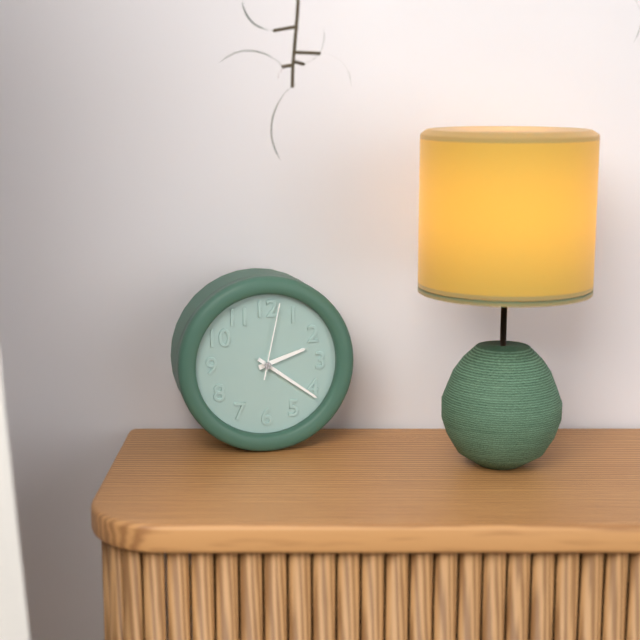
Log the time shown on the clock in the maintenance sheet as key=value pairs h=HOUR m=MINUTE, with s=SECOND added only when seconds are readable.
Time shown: h=2 m=21 s=2
